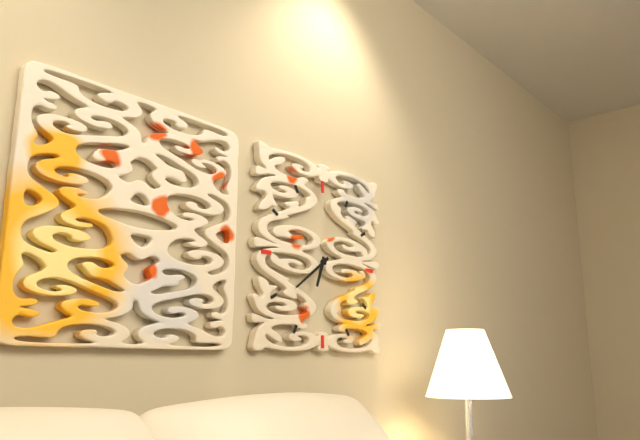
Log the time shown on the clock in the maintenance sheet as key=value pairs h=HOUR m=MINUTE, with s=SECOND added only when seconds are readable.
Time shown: h=6 m=39
